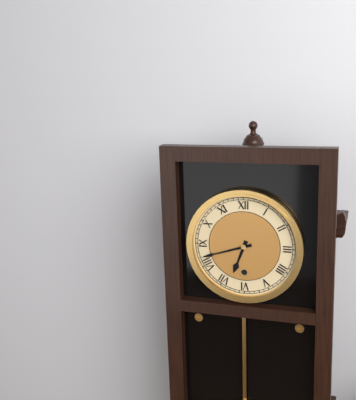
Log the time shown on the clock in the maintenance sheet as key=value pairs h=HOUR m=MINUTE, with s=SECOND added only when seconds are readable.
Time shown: h=6 m=42
